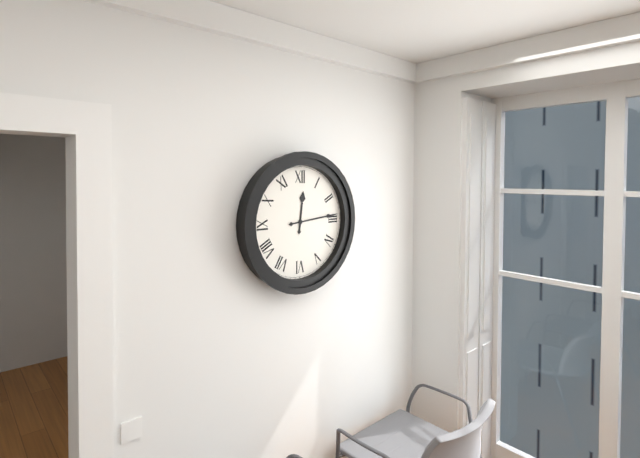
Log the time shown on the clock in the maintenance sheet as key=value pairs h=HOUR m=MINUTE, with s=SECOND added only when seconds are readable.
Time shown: h=12 m=14
